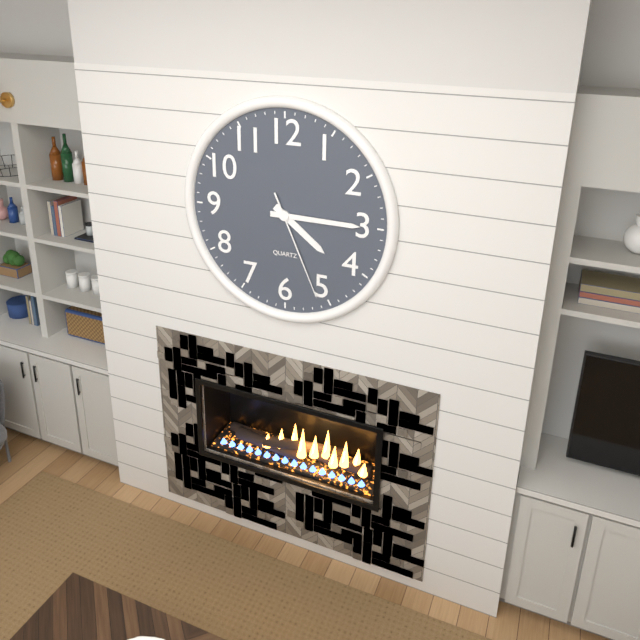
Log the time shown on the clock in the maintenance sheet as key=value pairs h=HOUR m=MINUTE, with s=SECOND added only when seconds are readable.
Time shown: h=4 m=15 s=26
